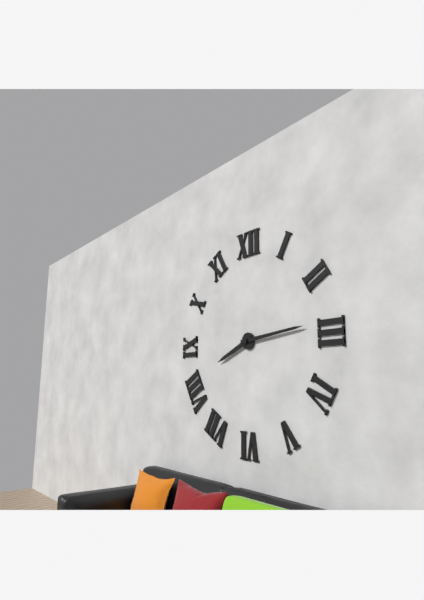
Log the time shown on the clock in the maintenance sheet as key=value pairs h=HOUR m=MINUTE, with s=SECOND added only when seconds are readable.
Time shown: h=8 m=14
